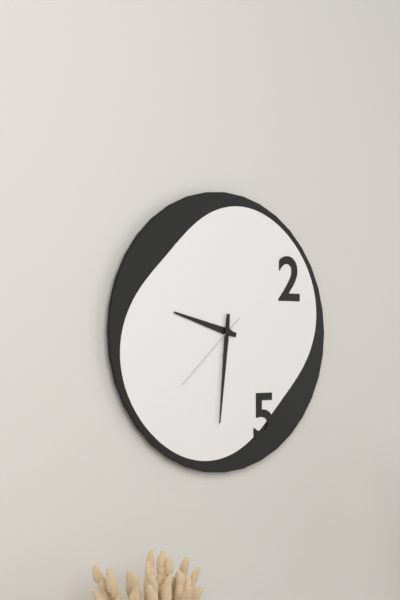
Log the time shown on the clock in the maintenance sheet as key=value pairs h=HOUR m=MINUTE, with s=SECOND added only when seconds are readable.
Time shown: h=9 m=31 s=38
